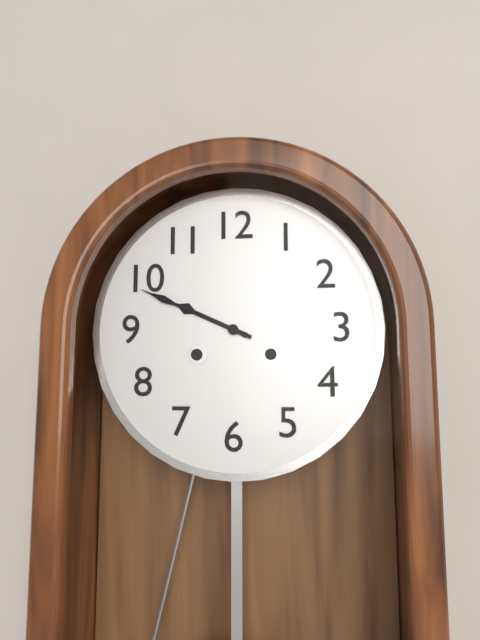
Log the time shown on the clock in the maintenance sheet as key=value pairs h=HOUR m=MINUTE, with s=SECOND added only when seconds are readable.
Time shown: h=9 m=49
